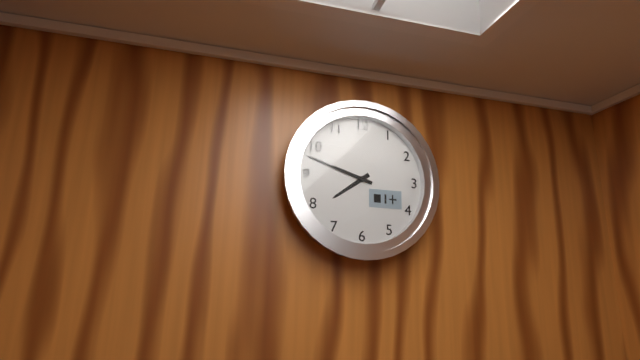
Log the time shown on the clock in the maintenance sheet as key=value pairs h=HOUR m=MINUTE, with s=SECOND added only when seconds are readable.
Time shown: h=7 m=48
